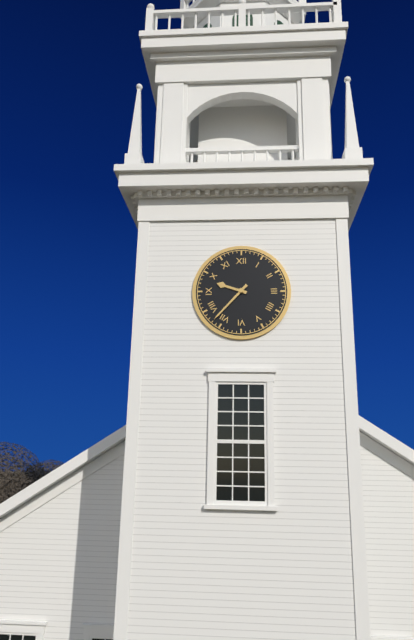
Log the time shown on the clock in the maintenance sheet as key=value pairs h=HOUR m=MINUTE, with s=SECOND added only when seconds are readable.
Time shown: h=9 m=37
